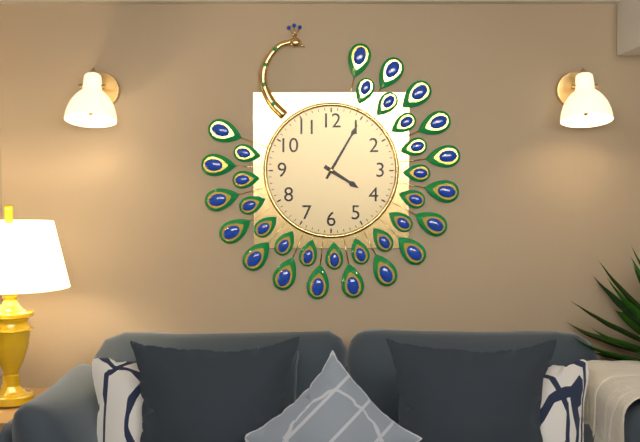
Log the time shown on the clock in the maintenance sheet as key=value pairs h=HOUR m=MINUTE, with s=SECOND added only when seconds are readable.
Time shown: h=4 m=5
